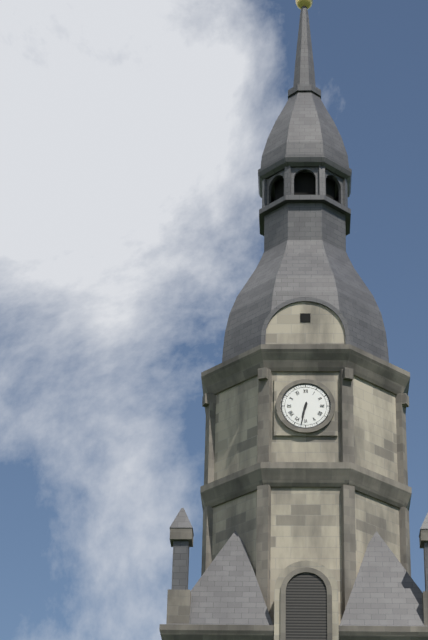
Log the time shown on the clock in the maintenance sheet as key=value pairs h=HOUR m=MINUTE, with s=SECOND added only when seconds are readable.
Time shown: h=6 m=32
